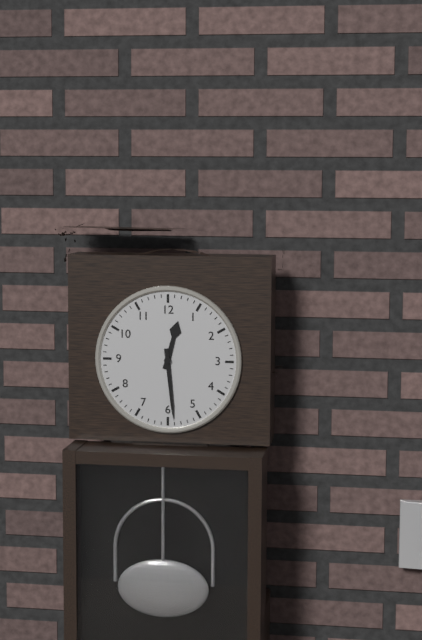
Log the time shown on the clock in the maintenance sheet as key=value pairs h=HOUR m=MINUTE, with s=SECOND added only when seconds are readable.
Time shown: h=12 m=29
